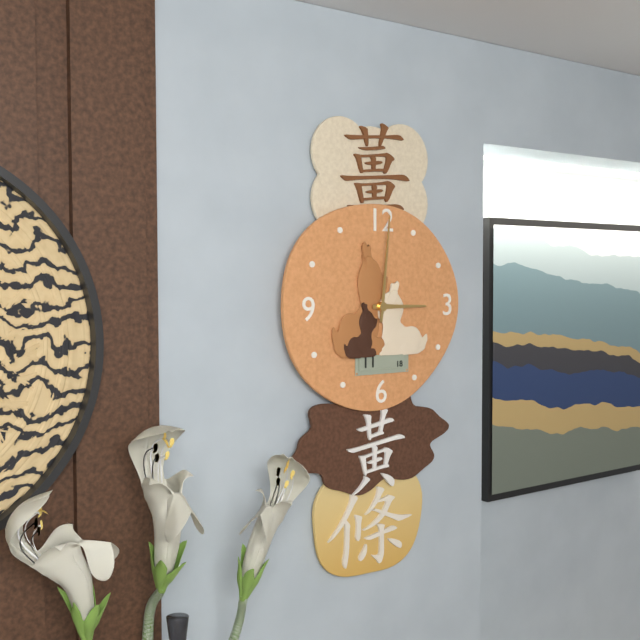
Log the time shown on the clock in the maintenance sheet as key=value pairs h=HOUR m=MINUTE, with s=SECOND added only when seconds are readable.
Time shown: h=3 m=1
